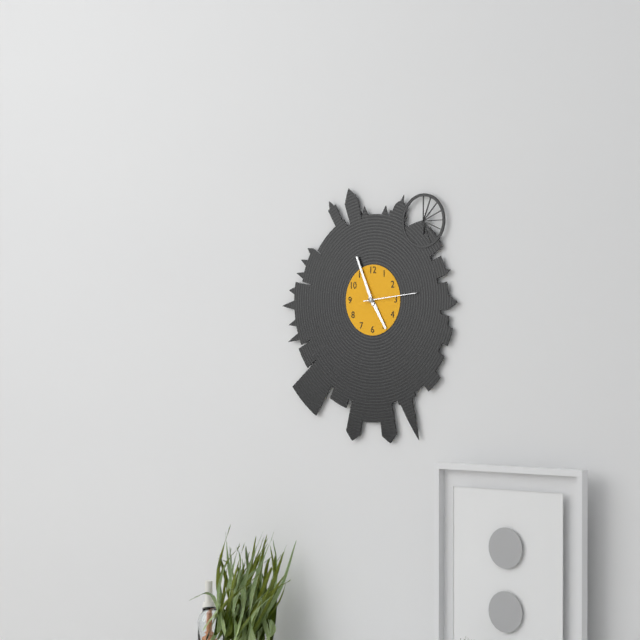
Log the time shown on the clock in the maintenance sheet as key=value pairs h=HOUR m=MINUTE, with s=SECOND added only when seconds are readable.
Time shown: h=4 m=56 s=14
